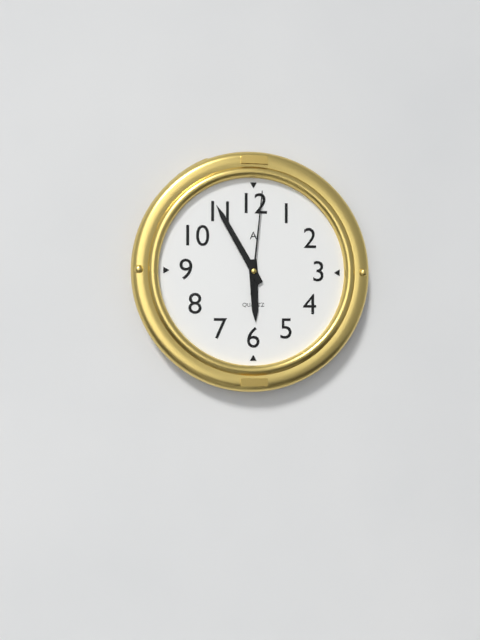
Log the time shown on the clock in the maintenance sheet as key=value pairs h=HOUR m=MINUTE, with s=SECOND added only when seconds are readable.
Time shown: h=5 m=55 s=1
